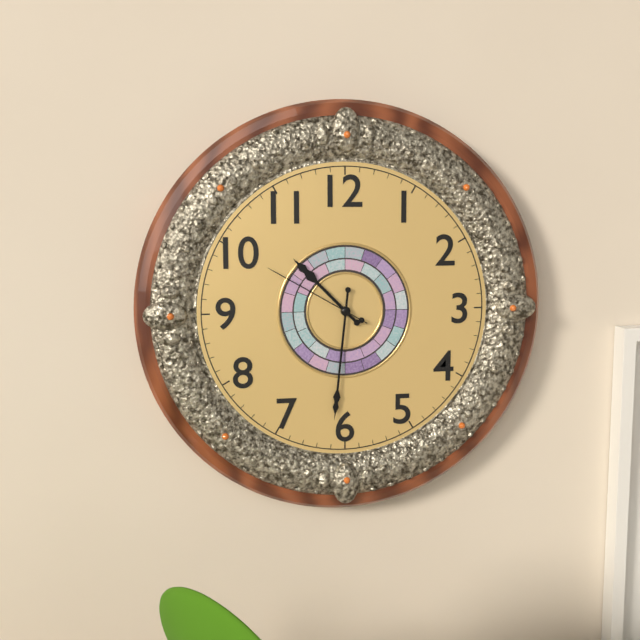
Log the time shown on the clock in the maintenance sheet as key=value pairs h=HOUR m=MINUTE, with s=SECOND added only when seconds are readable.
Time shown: h=10 m=31 s=50
